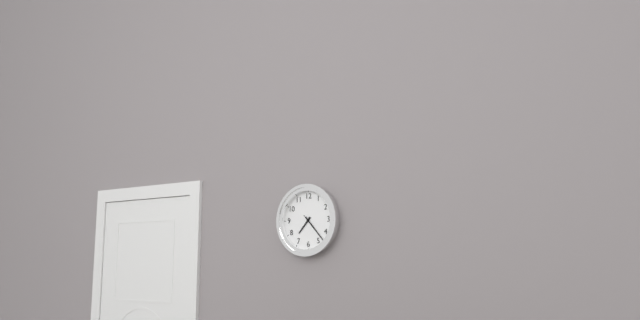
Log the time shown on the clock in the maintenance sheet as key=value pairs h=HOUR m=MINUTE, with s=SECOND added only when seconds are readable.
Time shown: h=7 m=23
